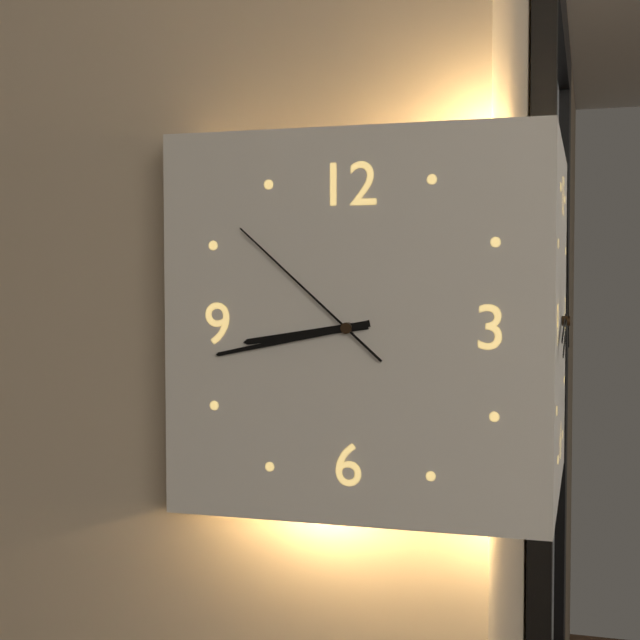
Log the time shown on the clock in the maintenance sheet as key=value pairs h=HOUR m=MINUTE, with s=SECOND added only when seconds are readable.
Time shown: h=8 m=43 s=52
